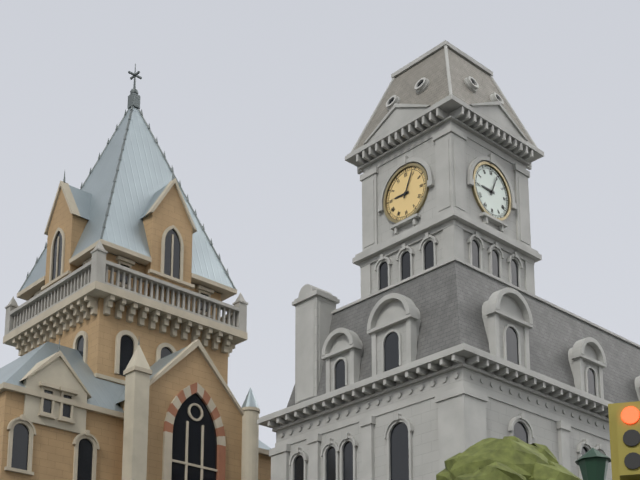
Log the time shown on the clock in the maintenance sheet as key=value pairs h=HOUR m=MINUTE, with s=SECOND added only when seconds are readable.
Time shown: h=9 m=4
